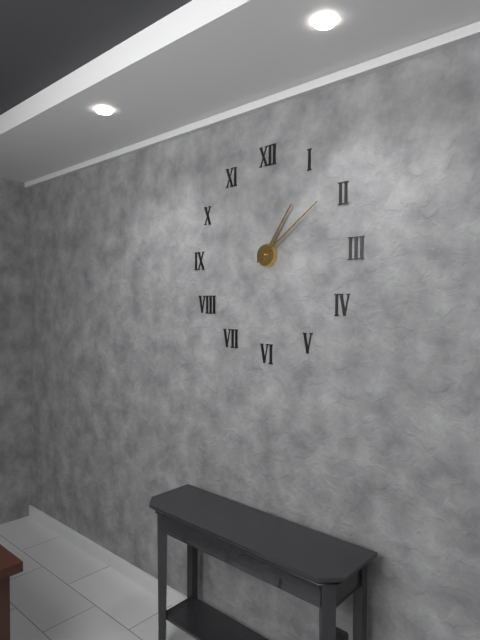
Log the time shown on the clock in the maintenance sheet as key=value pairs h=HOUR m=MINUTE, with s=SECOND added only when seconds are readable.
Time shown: h=1 m=9
